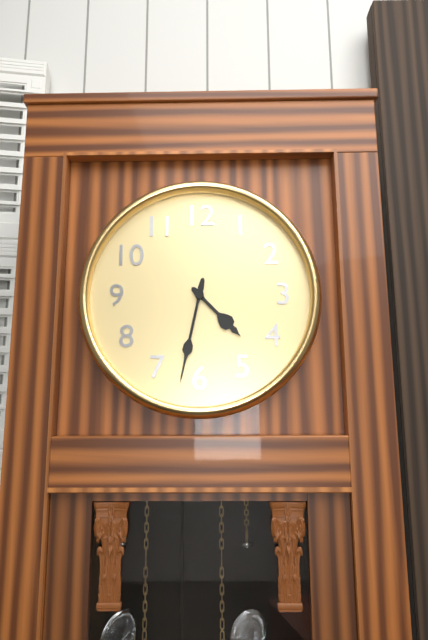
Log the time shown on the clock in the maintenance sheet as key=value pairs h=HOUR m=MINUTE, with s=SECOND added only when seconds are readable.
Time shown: h=4 m=32
